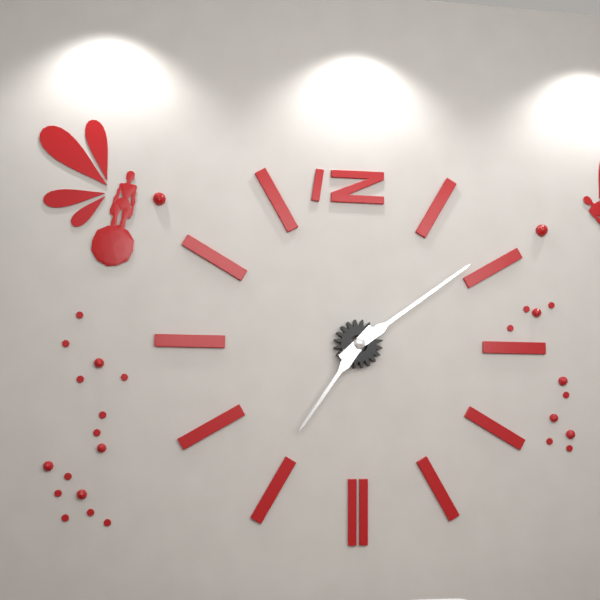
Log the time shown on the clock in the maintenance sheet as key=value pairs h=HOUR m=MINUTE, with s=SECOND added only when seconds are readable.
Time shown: h=7 m=9
